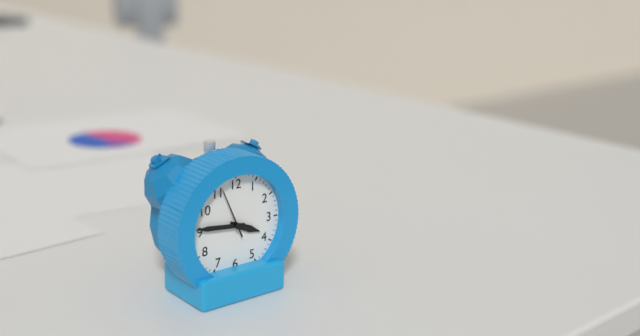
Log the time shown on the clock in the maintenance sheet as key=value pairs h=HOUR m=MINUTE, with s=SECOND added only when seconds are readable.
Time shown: h=3 m=46 s=56
